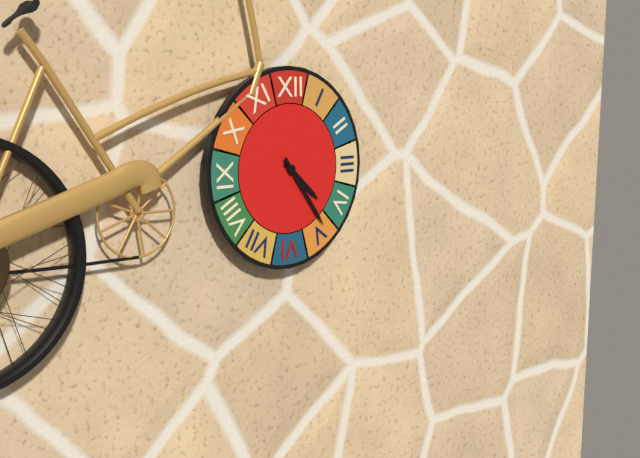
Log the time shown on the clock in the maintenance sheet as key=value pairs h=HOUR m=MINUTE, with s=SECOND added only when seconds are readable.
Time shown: h=4 m=24
